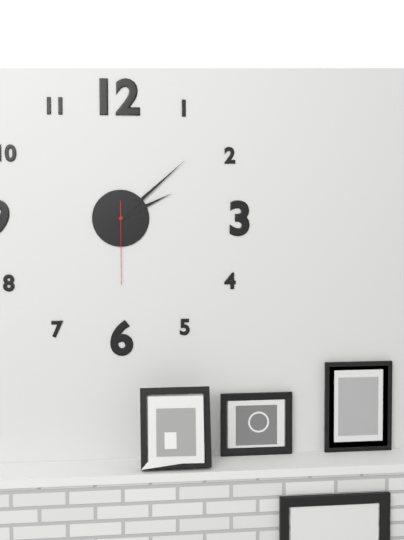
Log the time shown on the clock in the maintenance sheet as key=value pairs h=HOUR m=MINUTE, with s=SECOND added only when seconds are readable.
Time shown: h=2 m=8 s=30
